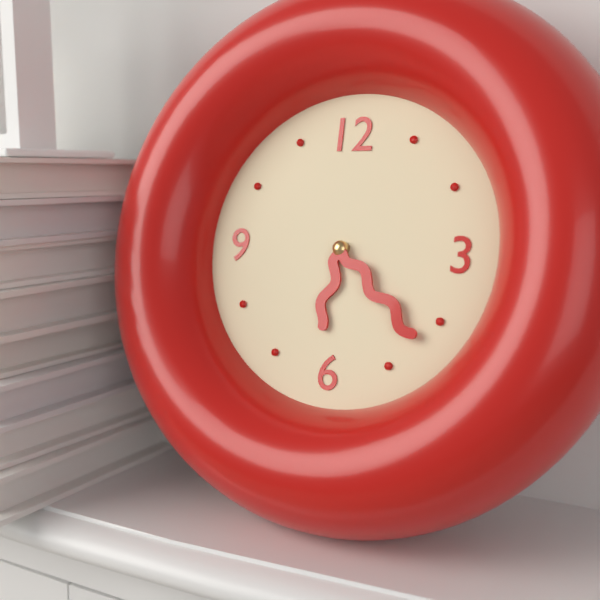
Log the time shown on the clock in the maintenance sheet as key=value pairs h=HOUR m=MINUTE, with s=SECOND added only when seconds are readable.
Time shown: h=6 m=22
